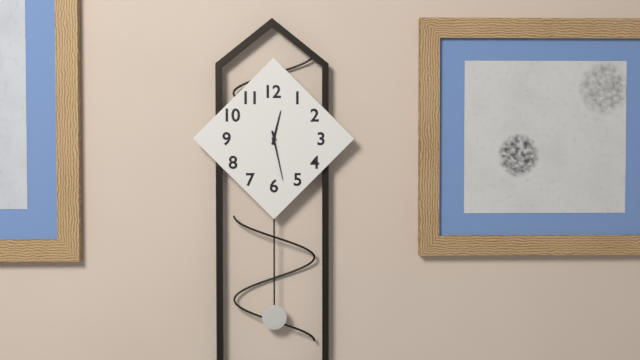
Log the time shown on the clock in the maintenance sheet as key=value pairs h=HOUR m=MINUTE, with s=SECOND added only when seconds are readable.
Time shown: h=12 m=28
